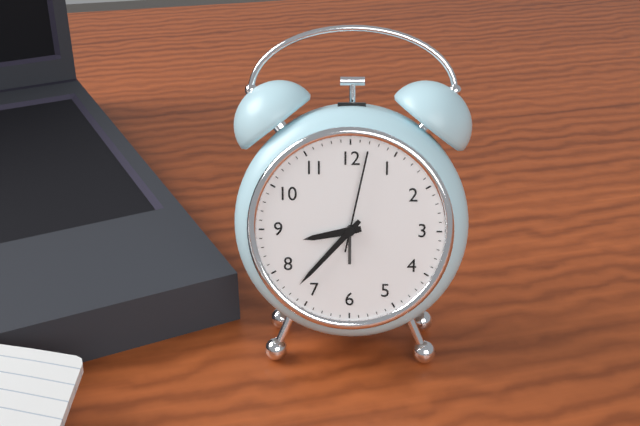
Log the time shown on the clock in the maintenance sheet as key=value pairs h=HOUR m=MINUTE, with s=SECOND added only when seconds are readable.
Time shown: h=8 m=37 s=2
